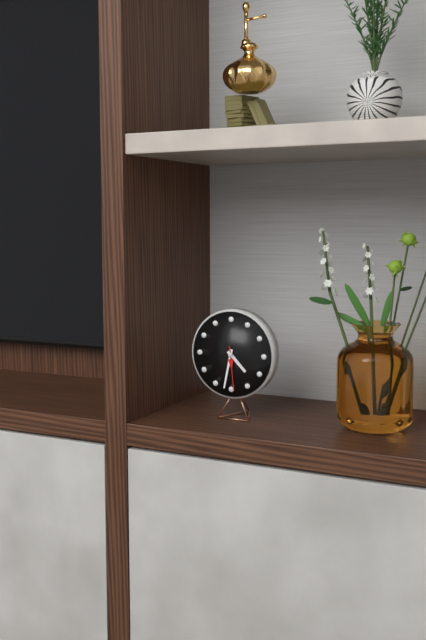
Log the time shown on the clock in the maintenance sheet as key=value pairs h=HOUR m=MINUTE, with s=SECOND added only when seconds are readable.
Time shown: h=4 m=32
